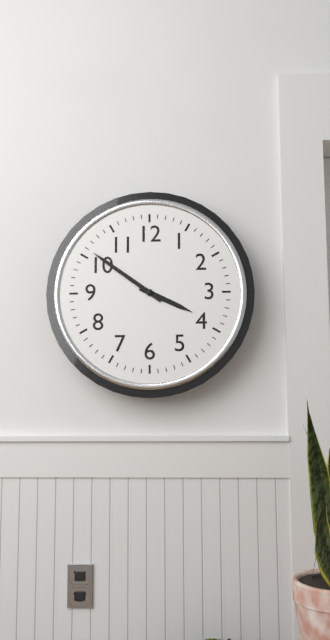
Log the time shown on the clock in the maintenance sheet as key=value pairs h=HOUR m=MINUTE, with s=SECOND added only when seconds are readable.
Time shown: h=3 m=51
